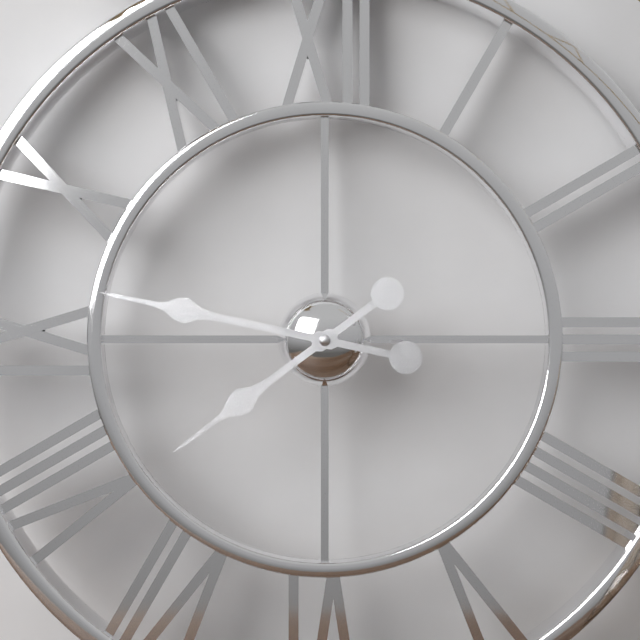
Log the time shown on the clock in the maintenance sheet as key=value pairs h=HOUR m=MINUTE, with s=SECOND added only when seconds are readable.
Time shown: h=7 m=47
